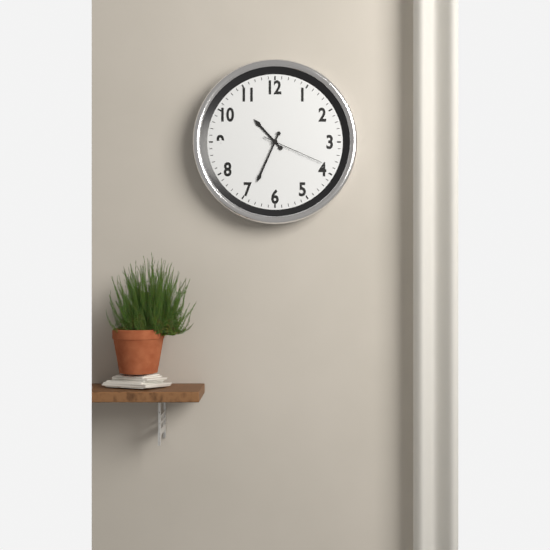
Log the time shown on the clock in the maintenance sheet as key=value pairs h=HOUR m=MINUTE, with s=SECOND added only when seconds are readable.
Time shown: h=10 m=34 s=19
